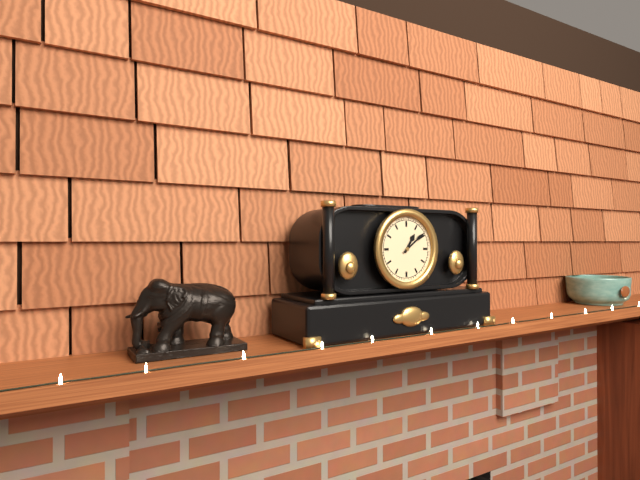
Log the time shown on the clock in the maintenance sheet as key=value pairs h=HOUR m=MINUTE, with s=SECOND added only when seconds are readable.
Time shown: h=1 m=9
